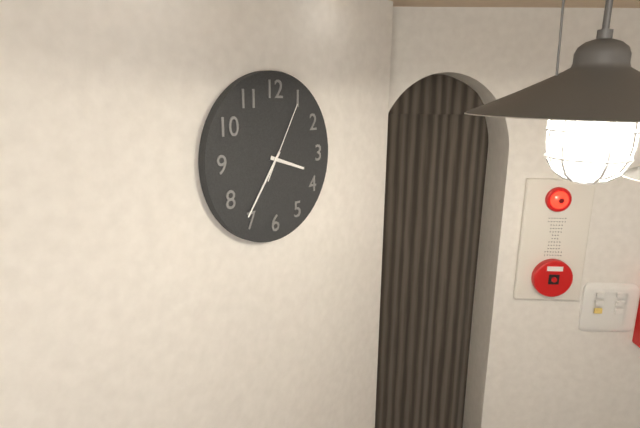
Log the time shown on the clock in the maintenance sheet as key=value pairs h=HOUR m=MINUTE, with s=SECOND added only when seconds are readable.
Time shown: h=3 m=36 s=5
